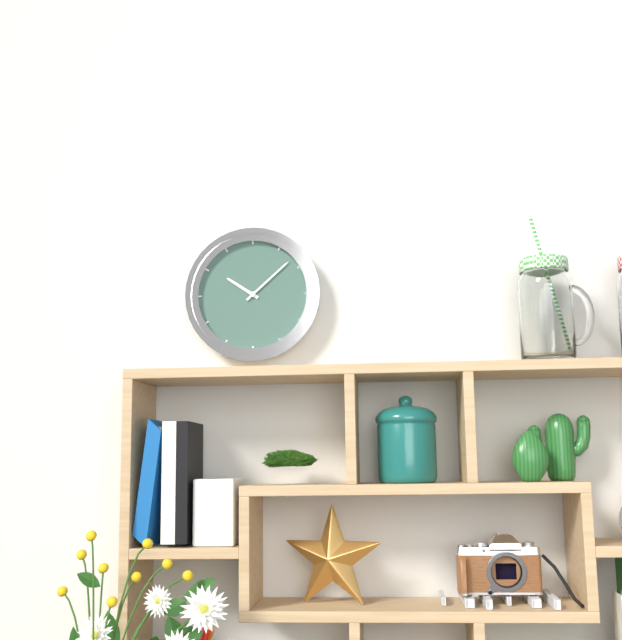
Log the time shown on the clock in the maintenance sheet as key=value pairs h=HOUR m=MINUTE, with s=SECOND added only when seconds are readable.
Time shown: h=10 m=8
